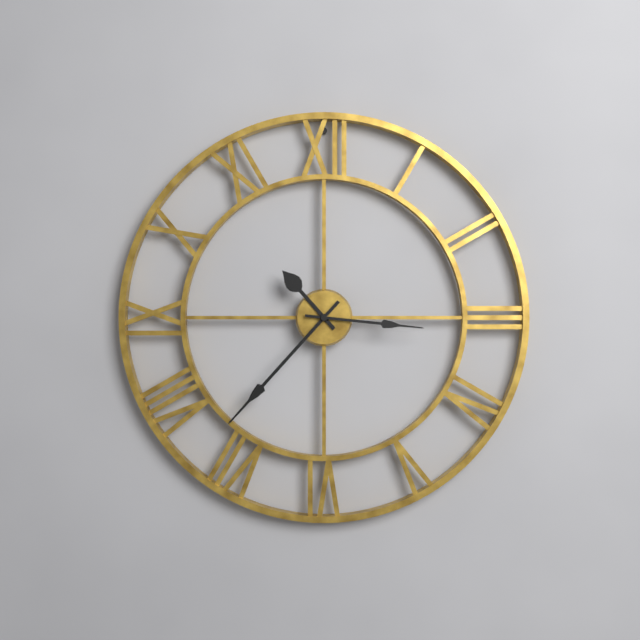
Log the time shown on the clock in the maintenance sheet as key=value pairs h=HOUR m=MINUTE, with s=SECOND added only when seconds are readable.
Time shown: h=10 m=37 s=16
